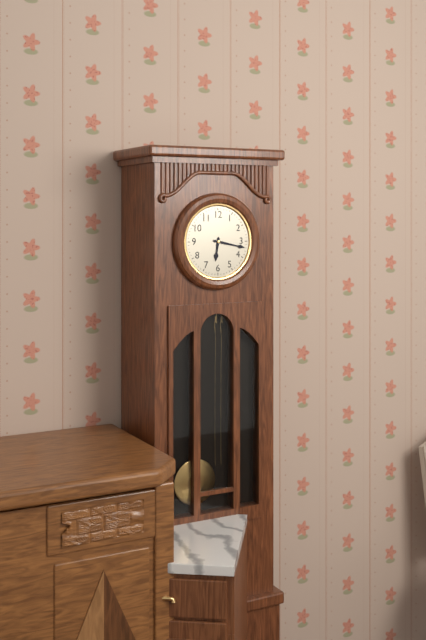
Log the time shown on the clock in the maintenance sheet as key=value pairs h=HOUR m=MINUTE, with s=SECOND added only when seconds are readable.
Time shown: h=6 m=17
